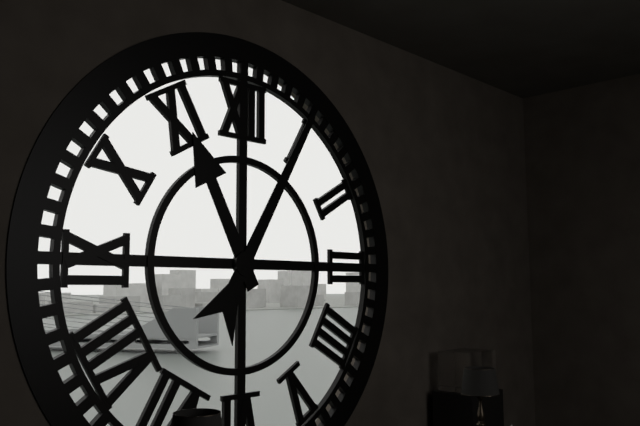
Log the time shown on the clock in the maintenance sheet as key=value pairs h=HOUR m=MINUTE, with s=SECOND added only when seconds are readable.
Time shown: h=11 m=5
